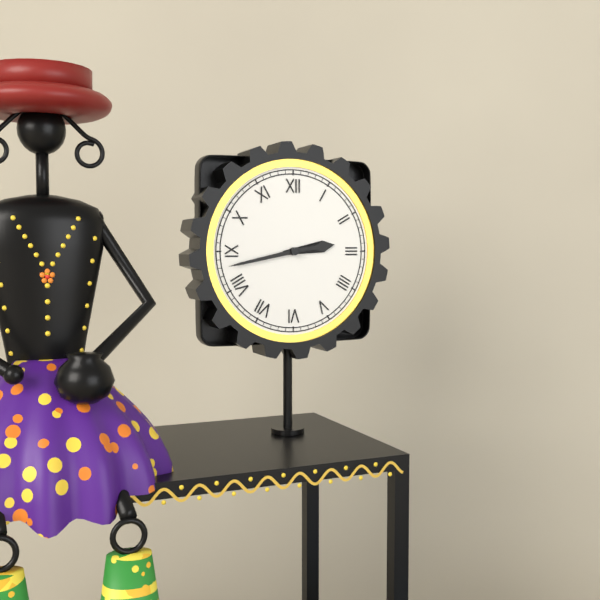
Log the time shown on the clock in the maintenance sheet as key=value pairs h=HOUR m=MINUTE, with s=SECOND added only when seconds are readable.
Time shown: h=2 m=43
